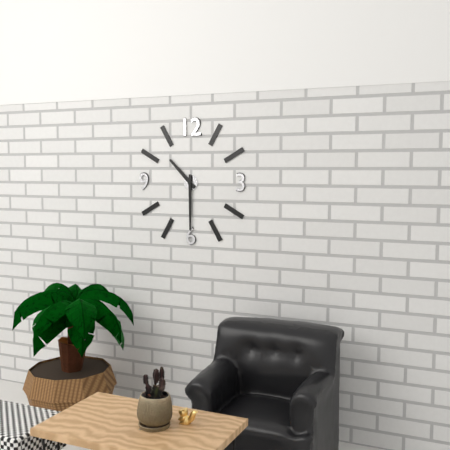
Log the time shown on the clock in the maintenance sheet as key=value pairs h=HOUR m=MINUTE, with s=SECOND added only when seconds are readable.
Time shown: h=10 m=30
